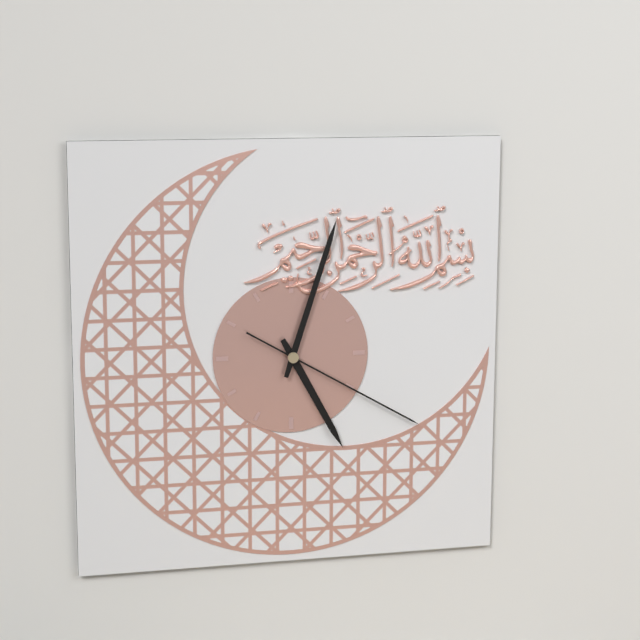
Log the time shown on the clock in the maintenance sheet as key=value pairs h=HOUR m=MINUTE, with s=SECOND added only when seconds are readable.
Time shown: h=5 m=3 s=20
